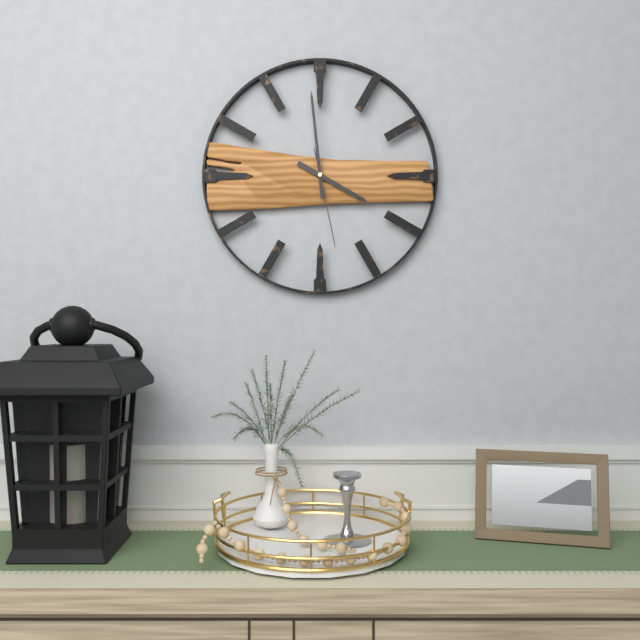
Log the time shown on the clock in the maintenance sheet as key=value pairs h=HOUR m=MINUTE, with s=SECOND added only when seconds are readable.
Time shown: h=3 m=59 s=28
